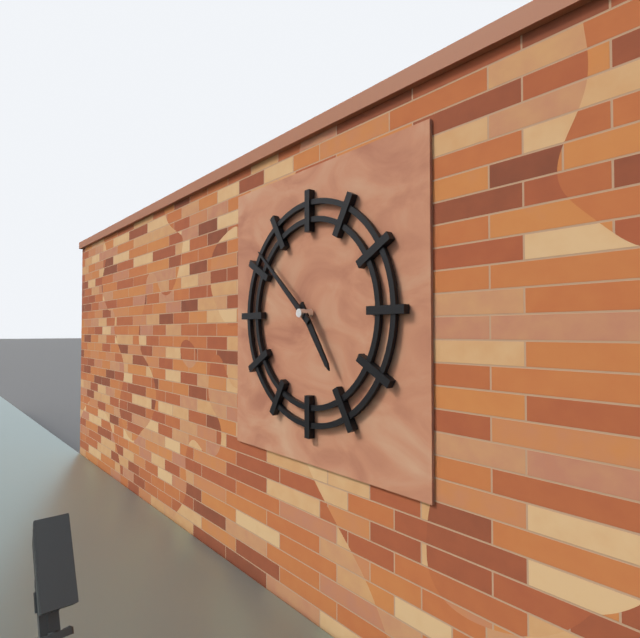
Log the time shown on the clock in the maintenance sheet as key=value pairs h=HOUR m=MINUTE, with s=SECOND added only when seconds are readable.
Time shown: h=4 m=52
